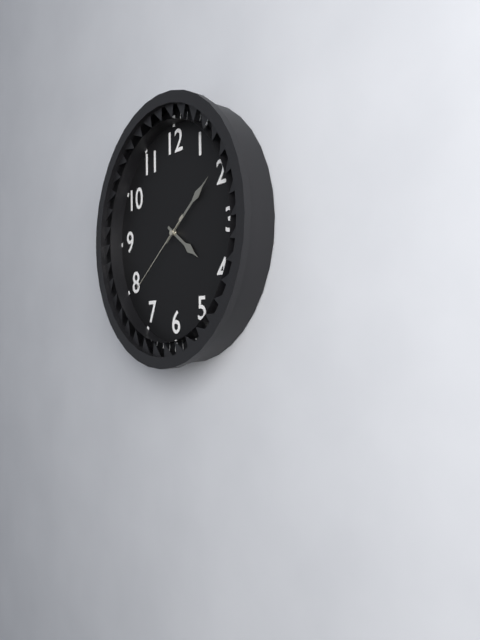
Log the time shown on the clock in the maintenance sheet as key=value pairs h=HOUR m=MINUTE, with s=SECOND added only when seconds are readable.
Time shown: h=4 m=9 s=39
